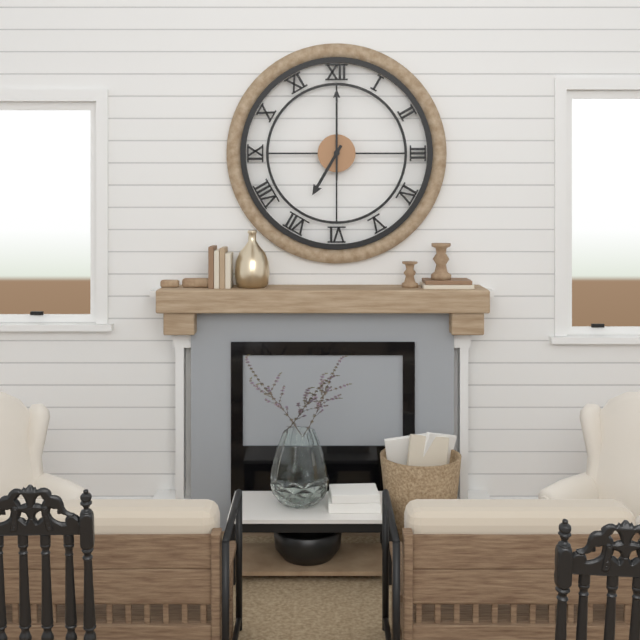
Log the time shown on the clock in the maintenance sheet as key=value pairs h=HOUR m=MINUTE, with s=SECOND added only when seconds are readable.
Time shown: h=7 m=0
